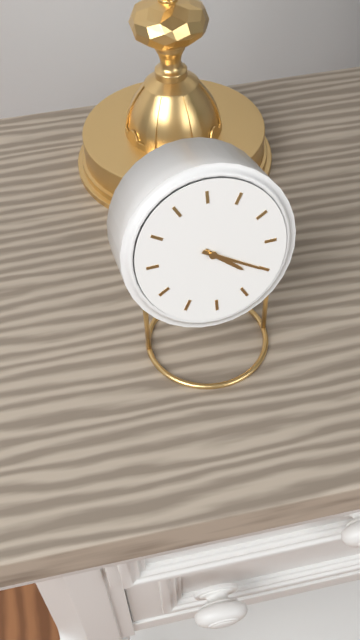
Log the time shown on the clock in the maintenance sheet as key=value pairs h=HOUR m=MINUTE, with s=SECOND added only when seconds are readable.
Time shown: h=4 m=20
